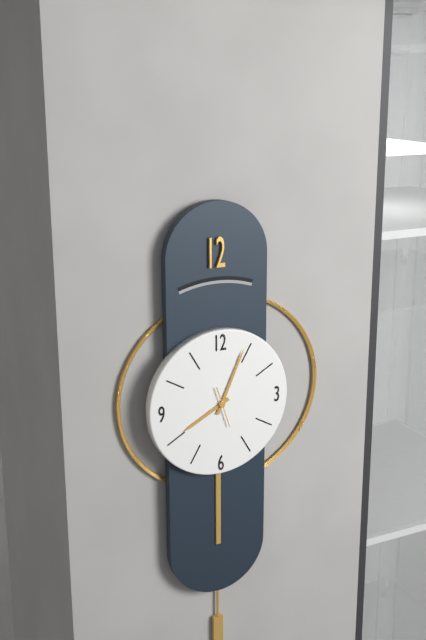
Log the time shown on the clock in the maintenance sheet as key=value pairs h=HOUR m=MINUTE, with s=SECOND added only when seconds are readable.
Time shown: h=8 m=4
